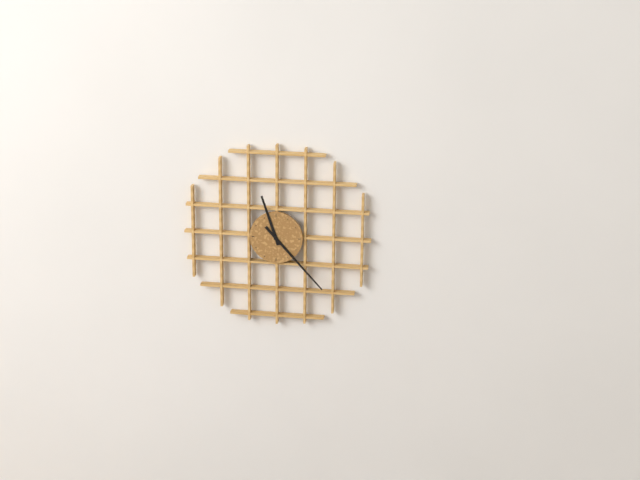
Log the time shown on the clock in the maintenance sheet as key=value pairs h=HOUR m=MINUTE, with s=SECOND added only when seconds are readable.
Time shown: h=11 m=23
